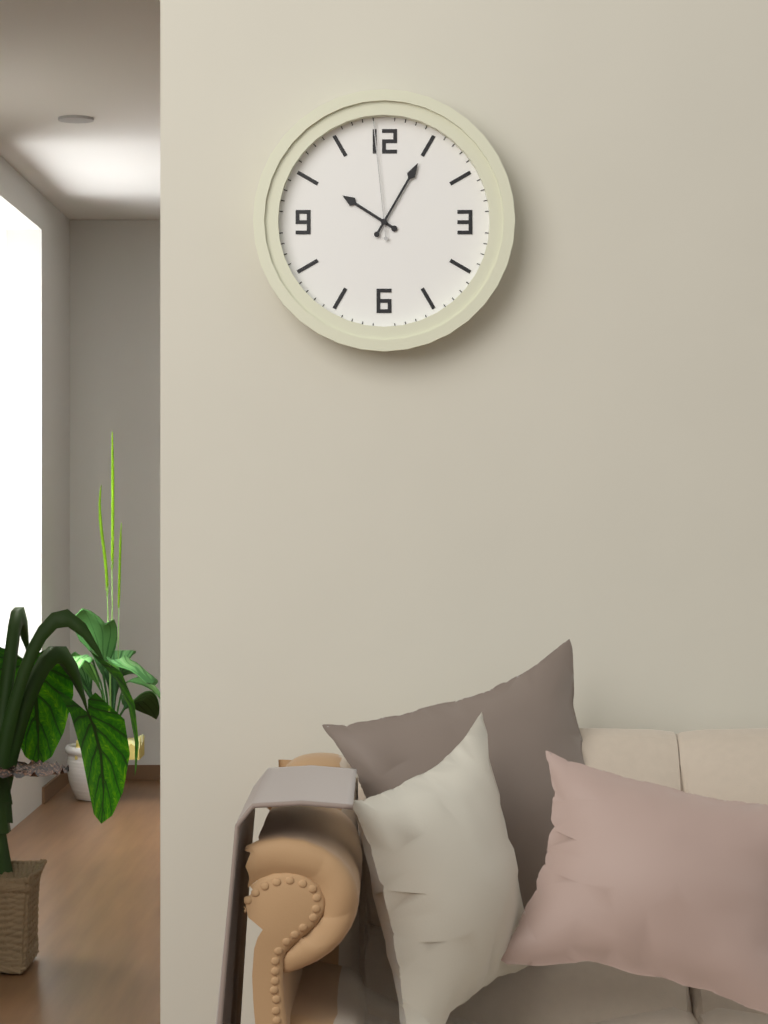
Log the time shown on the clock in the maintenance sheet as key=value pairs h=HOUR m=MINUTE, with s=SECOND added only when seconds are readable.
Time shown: h=10 m=5 s=59
